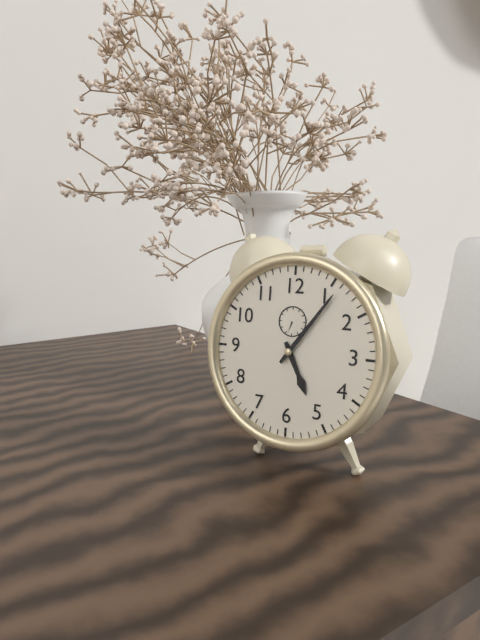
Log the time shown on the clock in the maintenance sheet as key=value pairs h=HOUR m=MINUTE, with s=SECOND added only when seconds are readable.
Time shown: h=5 m=6
